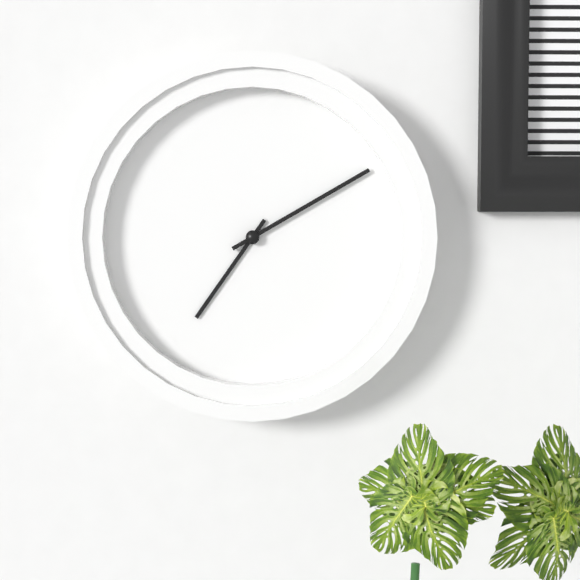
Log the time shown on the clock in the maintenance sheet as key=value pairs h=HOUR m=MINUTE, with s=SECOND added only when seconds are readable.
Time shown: h=7 m=10
